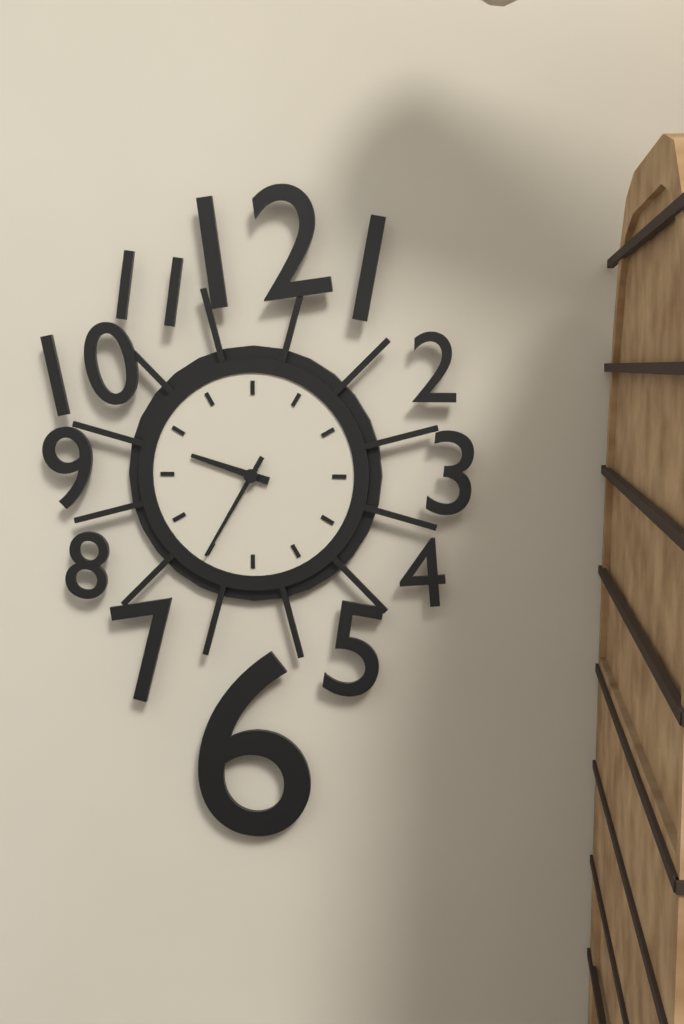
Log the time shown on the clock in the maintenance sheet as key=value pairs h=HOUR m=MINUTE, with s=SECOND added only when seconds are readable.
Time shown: h=9 m=35
